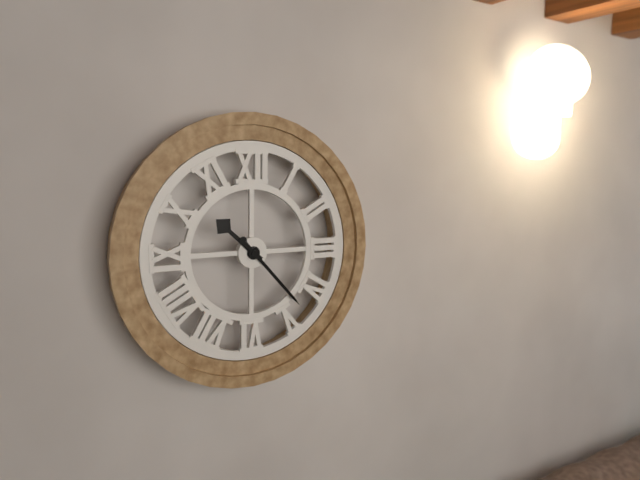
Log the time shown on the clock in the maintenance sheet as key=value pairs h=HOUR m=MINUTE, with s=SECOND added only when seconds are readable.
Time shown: h=10 m=23
